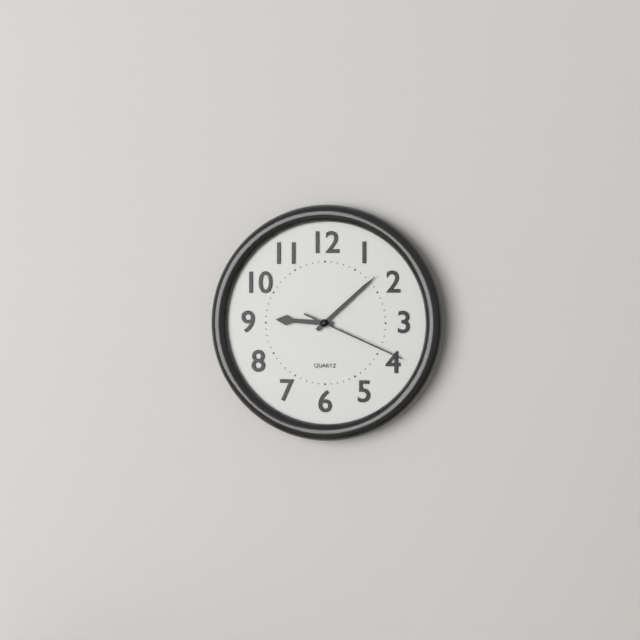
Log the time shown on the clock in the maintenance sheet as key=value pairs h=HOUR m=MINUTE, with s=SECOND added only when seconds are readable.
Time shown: h=9 m=8 s=19
